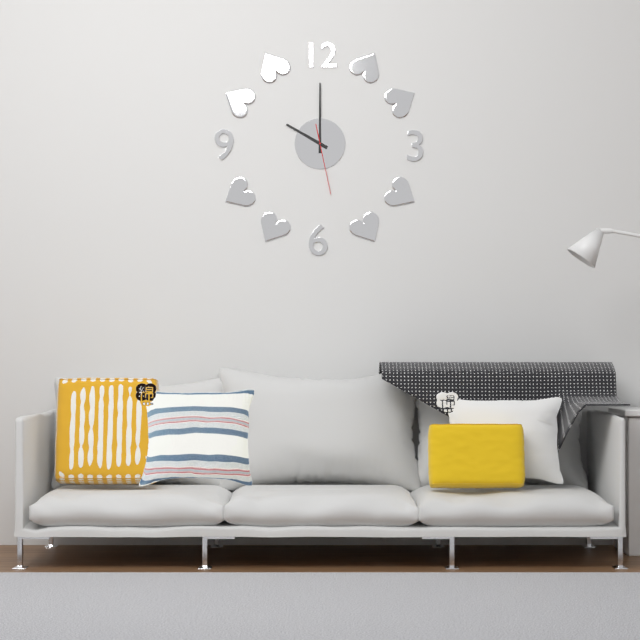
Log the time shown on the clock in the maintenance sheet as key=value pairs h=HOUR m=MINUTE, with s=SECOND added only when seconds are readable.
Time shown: h=10 m=0 s=28
